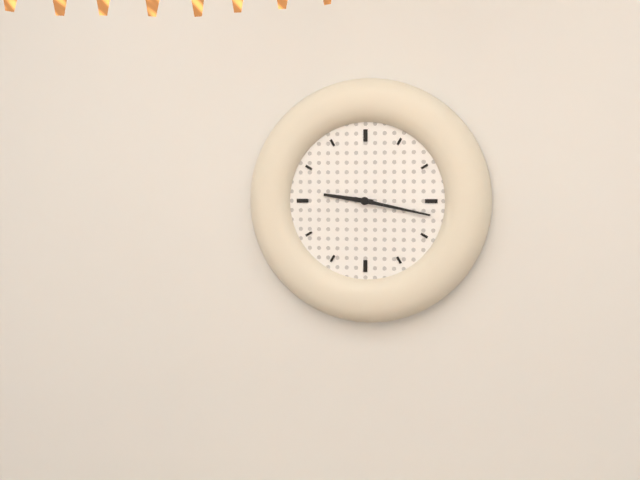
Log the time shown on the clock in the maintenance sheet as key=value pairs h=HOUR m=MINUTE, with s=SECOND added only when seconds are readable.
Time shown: h=9 m=17
